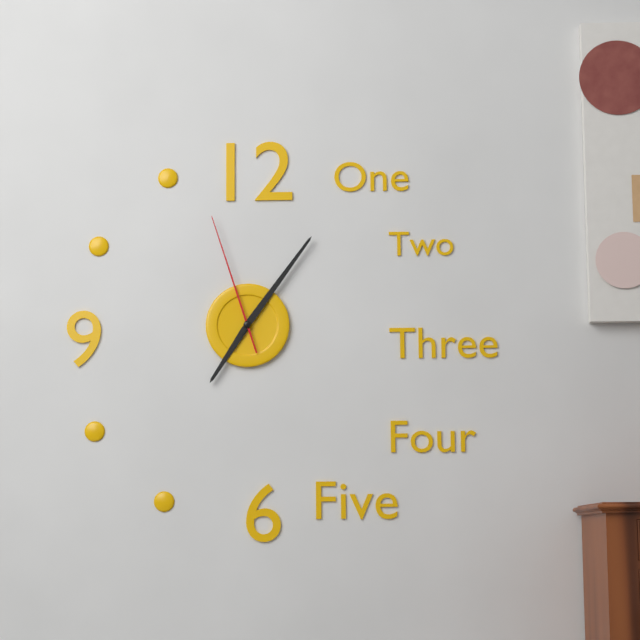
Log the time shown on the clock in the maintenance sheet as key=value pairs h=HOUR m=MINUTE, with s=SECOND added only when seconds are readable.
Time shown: h=7 m=6 s=57
